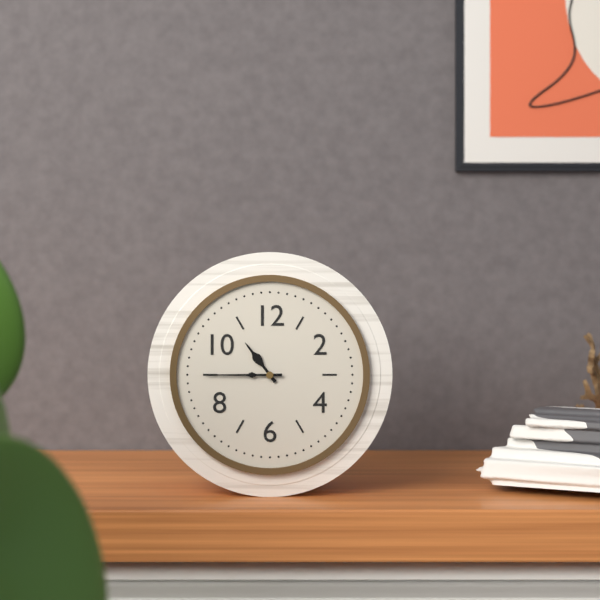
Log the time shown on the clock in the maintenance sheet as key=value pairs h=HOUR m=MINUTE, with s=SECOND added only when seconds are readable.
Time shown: h=10 m=45
